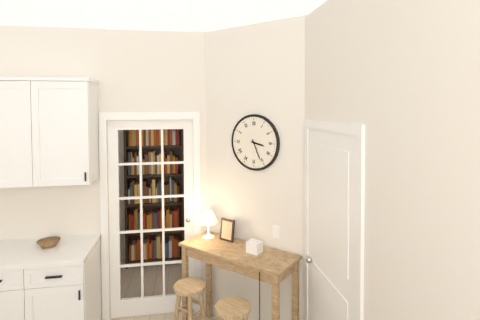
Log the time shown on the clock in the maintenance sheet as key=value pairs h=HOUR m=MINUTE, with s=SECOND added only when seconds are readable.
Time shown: h=3 m=26
